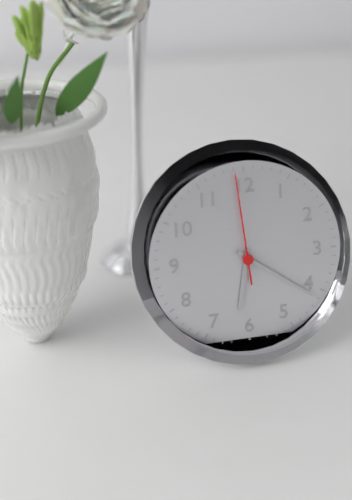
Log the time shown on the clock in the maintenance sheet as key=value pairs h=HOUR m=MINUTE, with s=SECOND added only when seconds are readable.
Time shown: h=6 m=21 s=59
